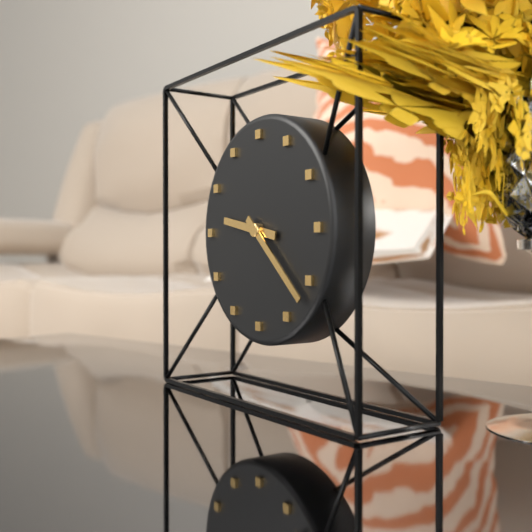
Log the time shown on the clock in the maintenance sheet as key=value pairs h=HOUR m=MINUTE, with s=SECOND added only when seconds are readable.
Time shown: h=9 m=22
